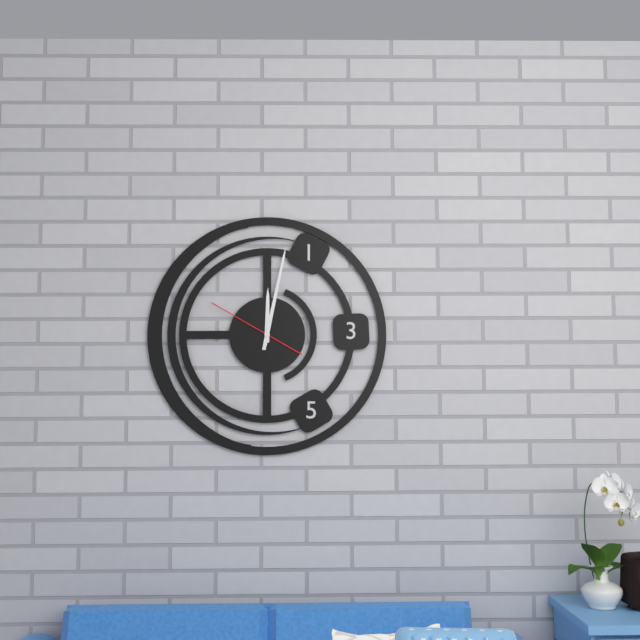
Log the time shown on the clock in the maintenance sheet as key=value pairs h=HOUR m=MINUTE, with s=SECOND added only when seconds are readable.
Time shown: h=12 m=2 s=50
